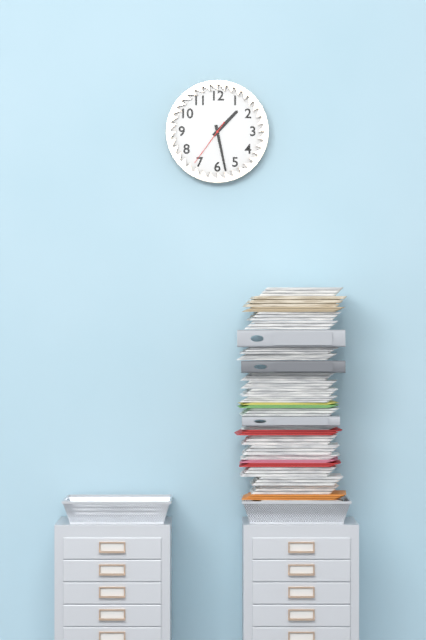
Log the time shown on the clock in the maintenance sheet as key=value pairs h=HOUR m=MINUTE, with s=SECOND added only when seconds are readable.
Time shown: h=1 m=28
